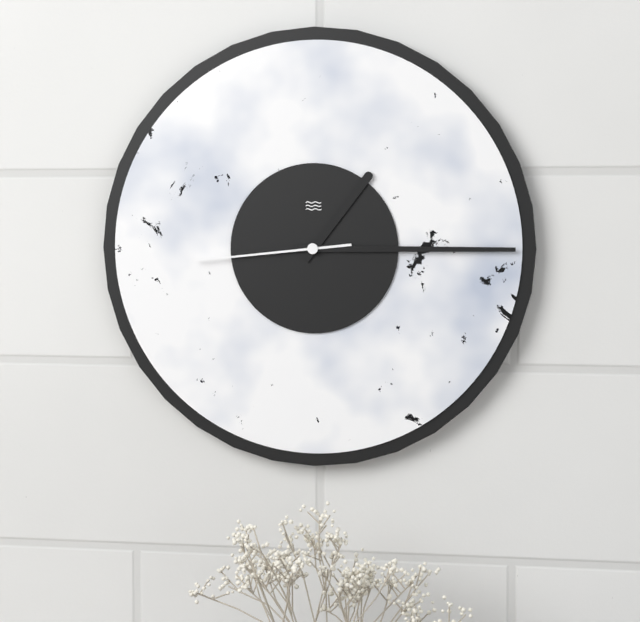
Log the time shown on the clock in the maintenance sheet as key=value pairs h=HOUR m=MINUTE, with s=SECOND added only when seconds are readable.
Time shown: h=1 m=15 s=44
